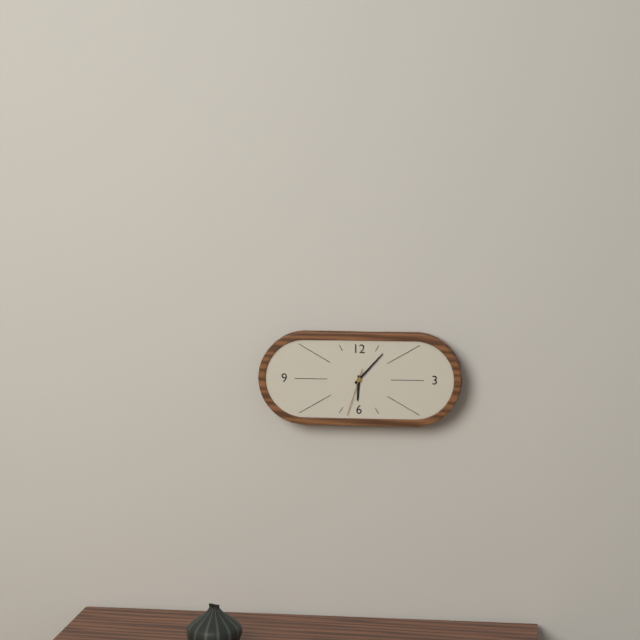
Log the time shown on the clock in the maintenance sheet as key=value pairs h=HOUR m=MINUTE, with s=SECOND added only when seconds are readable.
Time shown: h=6 m=7 s=33
